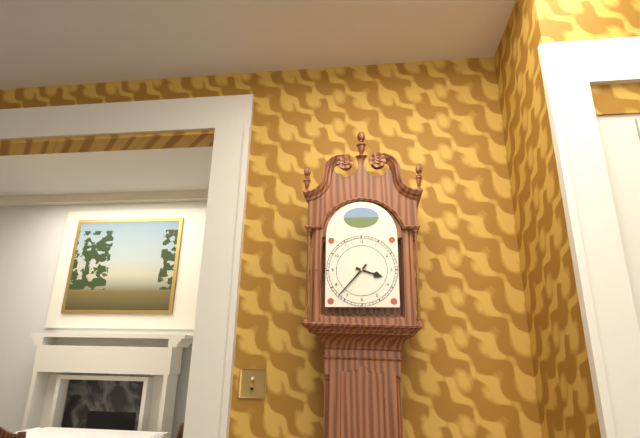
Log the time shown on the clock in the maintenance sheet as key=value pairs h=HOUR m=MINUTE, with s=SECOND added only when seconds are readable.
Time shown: h=3 m=37
